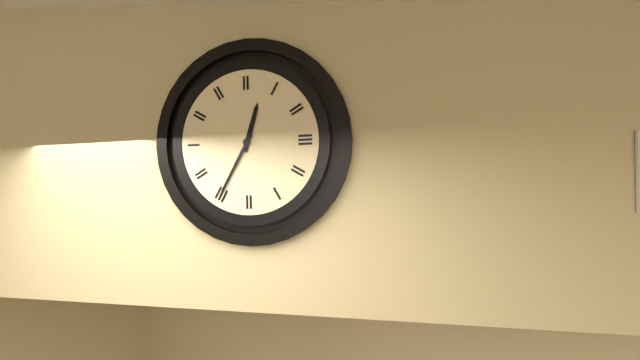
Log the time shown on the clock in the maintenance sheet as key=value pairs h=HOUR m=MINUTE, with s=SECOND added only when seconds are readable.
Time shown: h=12 m=35
